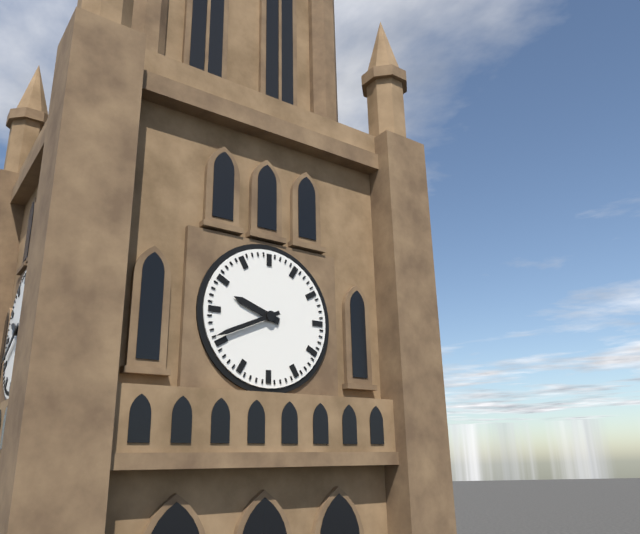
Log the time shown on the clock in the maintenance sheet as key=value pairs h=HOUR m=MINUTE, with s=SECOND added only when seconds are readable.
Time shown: h=9 m=41
